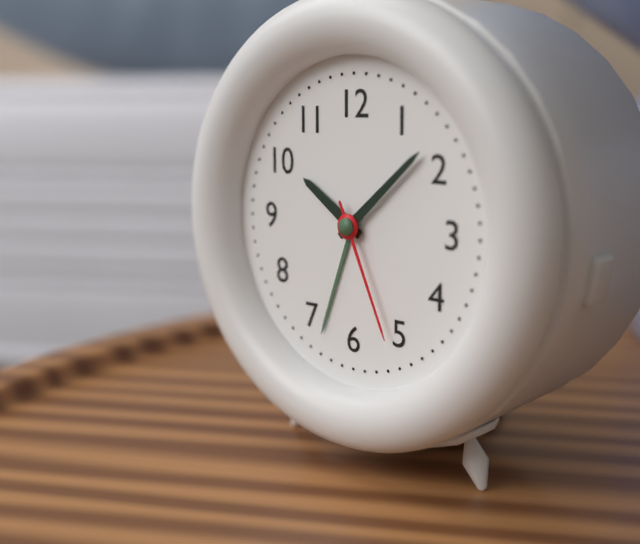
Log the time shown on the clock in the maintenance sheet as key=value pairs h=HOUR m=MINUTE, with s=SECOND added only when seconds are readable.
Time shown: h=10 m=8 s=26
